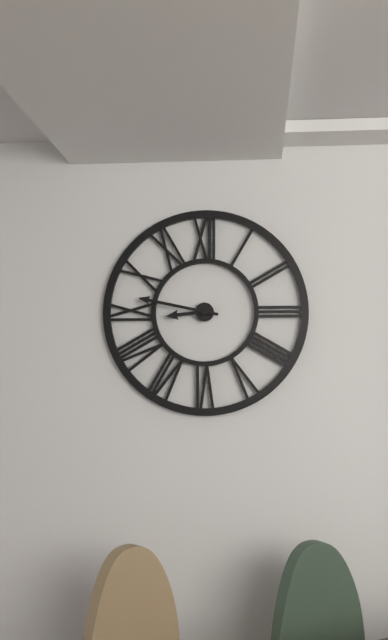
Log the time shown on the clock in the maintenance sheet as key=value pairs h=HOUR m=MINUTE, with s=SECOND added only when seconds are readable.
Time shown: h=8 m=47
